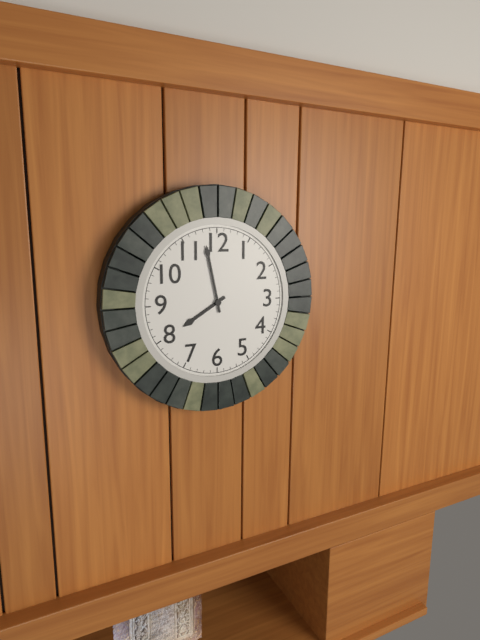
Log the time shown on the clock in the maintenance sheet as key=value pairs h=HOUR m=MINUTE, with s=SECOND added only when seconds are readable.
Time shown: h=7 m=58
